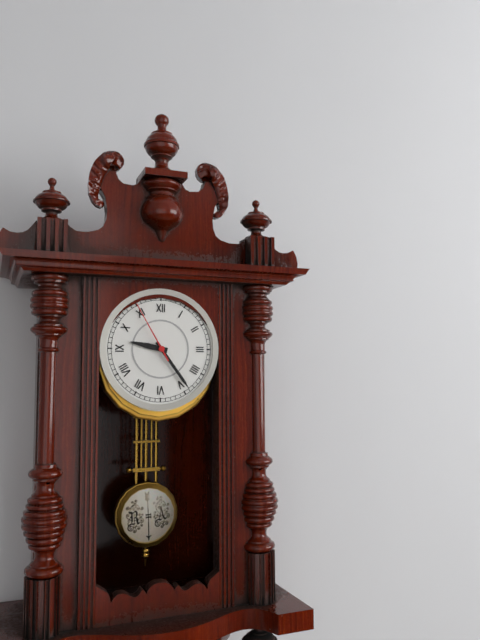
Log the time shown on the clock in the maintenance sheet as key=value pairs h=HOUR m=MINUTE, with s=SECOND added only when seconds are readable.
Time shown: h=9 m=24 s=55
